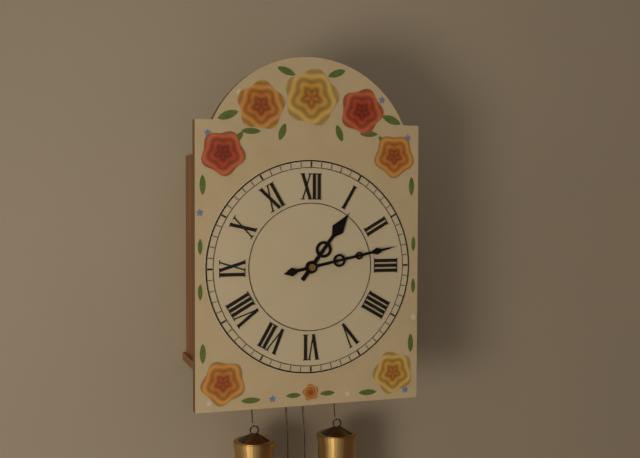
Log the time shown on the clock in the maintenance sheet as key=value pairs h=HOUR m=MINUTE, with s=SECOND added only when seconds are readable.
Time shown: h=1 m=13
